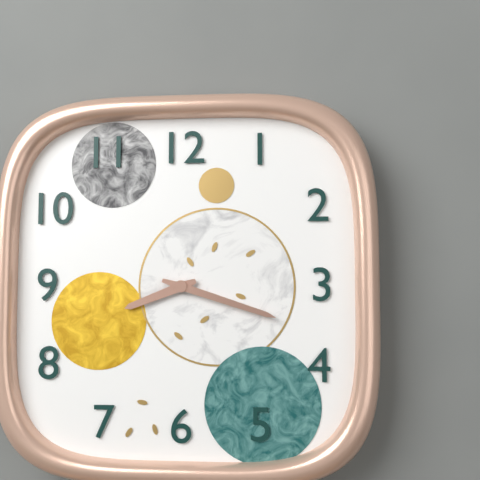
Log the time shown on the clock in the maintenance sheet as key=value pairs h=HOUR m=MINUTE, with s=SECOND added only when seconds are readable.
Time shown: h=8 m=18
